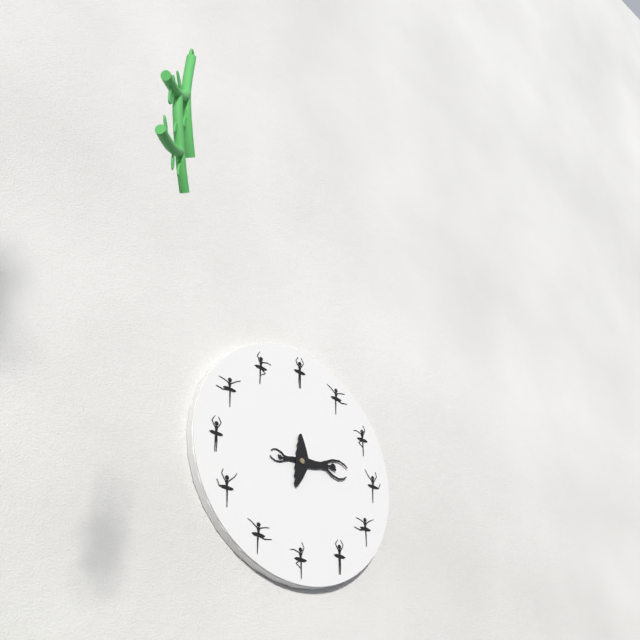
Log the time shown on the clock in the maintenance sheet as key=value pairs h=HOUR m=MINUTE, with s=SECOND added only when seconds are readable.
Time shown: h=9 m=16
